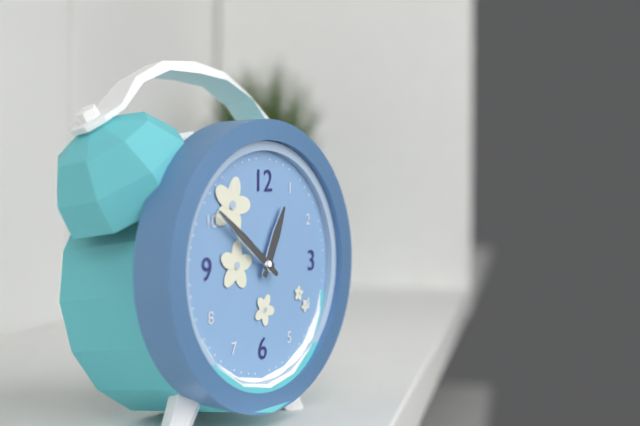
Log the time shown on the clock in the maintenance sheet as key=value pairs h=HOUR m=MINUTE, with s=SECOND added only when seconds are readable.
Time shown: h=12 m=51
